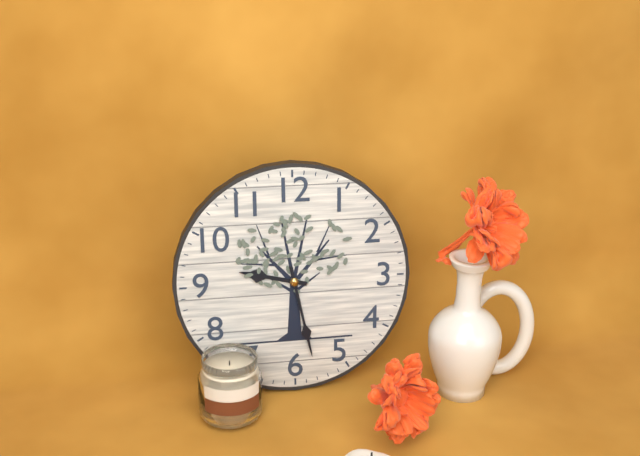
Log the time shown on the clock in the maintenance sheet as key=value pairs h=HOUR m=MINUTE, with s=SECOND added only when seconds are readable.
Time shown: h=9 m=28
